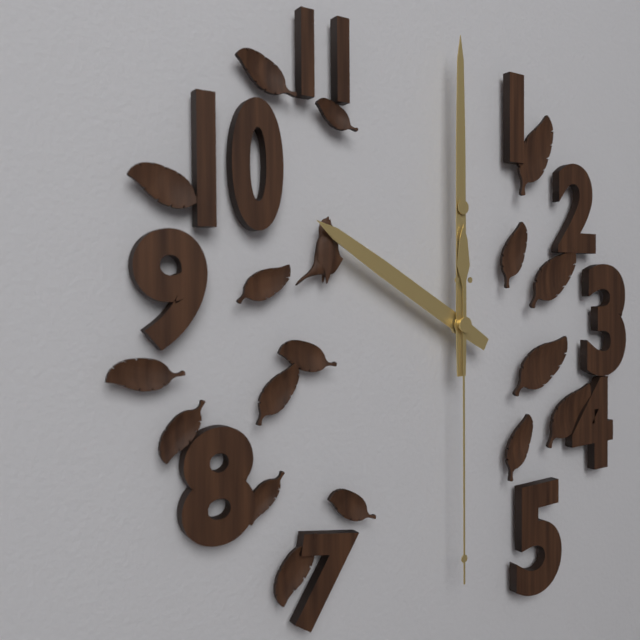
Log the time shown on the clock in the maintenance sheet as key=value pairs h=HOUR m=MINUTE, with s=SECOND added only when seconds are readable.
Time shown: h=10 m=0 s=30
